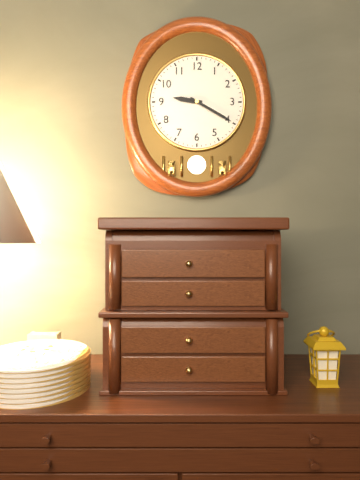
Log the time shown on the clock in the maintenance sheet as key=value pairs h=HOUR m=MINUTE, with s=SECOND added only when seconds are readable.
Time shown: h=9 m=20
